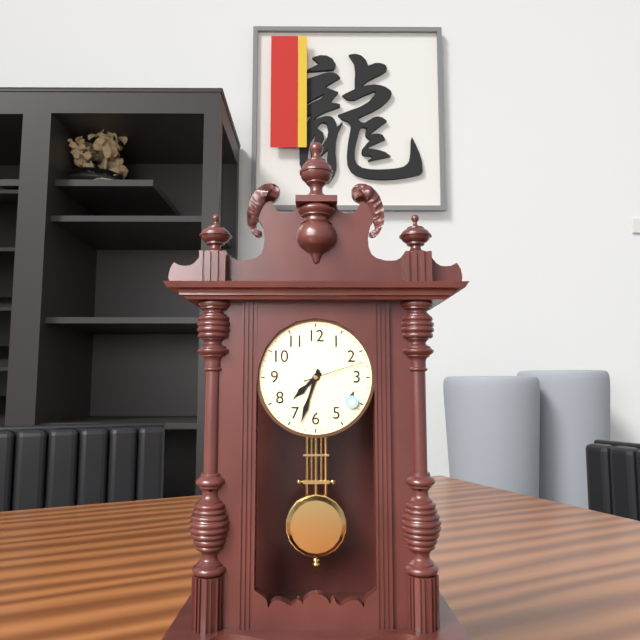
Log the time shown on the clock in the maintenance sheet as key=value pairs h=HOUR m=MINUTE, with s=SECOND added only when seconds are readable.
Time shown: h=7 m=33 s=12
